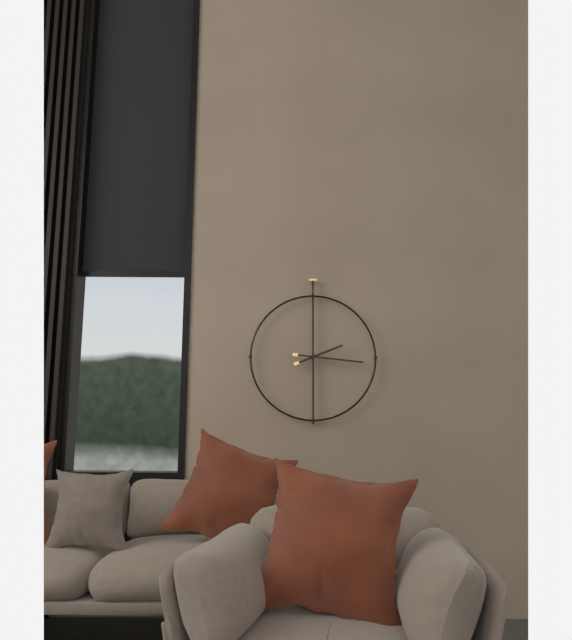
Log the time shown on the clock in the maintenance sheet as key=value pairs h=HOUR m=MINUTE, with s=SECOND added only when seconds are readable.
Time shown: h=2 m=16
